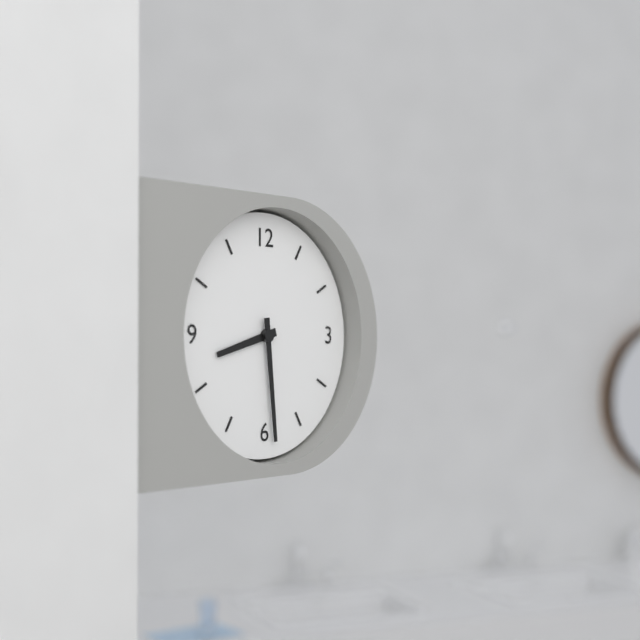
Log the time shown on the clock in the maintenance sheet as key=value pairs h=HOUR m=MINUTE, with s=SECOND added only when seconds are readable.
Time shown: h=8 m=29
